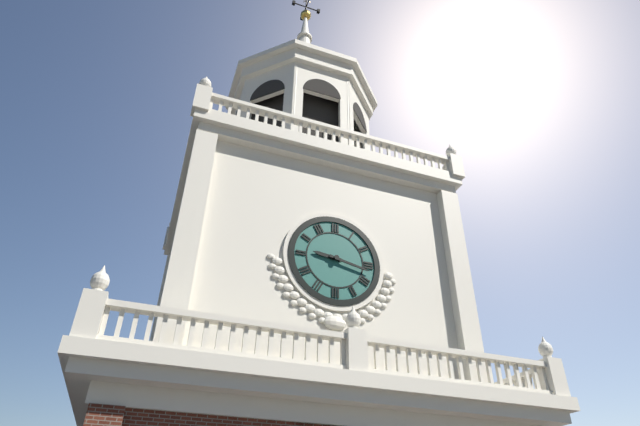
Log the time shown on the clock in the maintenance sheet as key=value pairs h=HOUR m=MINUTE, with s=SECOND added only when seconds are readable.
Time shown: h=9 m=17
